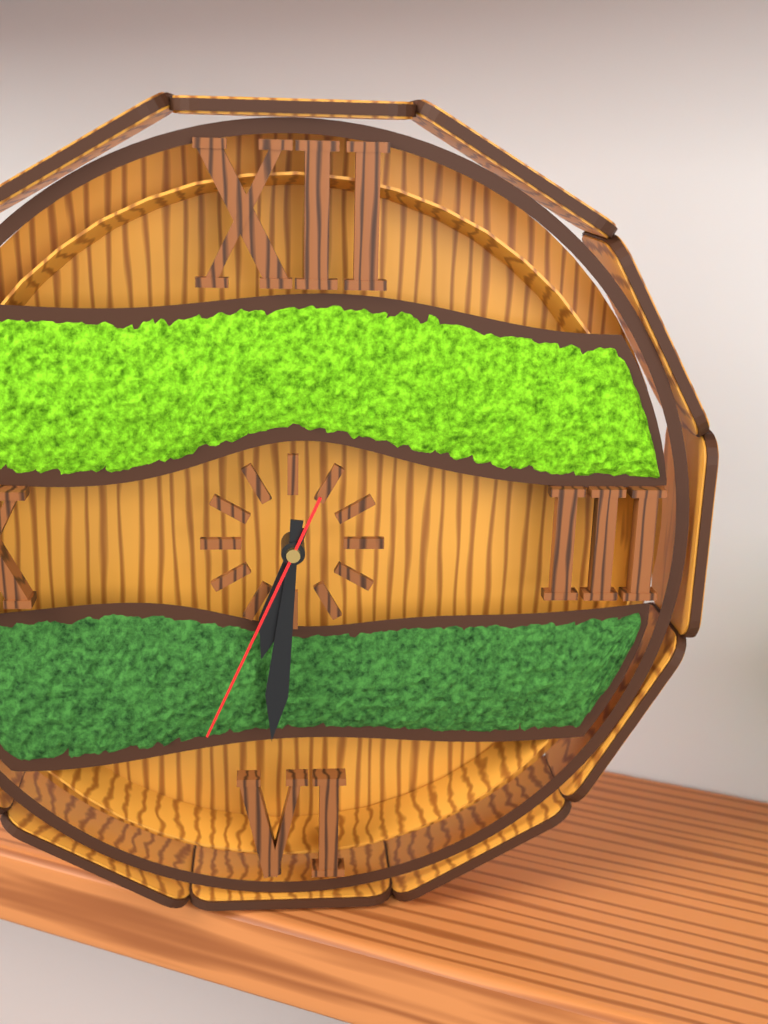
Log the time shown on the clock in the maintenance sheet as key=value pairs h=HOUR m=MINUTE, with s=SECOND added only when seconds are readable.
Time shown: h=6 m=31 s=34
